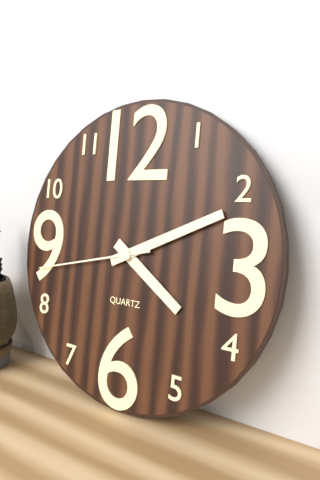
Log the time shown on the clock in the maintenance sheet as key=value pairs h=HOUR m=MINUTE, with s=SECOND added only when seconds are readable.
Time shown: h=4 m=11 s=43
